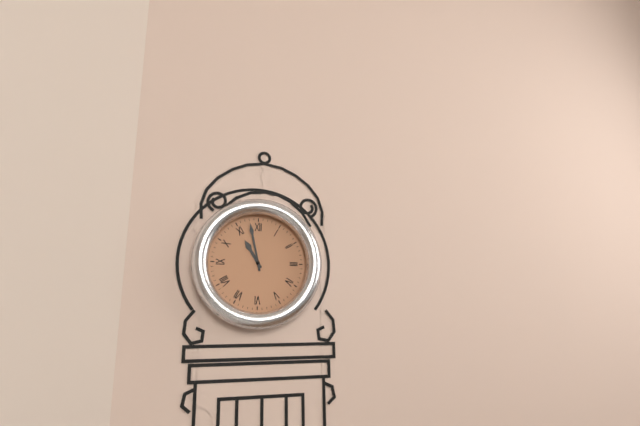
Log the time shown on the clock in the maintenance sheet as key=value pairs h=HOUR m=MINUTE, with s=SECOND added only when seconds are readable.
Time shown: h=10 m=58
